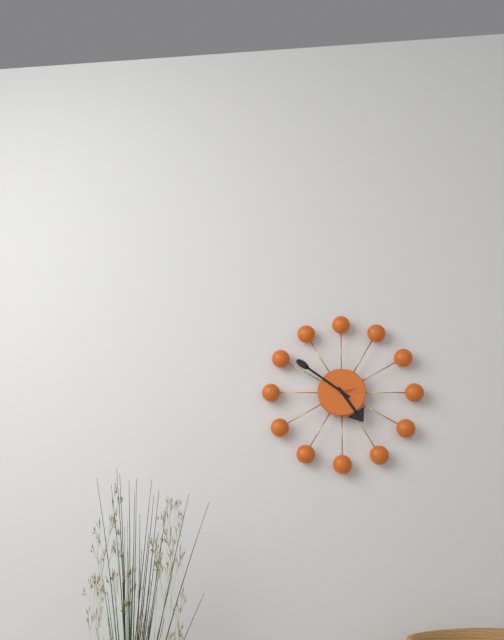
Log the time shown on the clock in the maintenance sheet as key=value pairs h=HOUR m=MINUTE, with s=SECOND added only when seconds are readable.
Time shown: h=4 m=51
